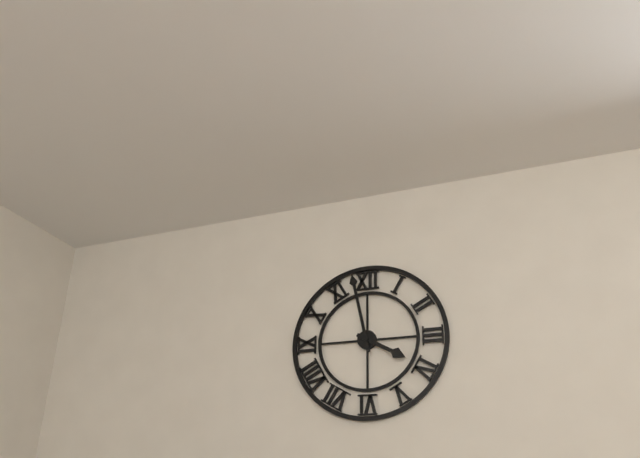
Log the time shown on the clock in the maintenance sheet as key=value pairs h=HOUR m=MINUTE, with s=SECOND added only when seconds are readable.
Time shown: h=3 m=58
